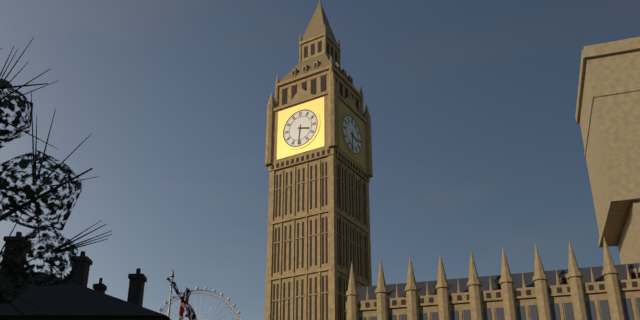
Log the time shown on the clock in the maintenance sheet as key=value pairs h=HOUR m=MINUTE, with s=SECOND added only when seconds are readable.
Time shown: h=3 m=31
